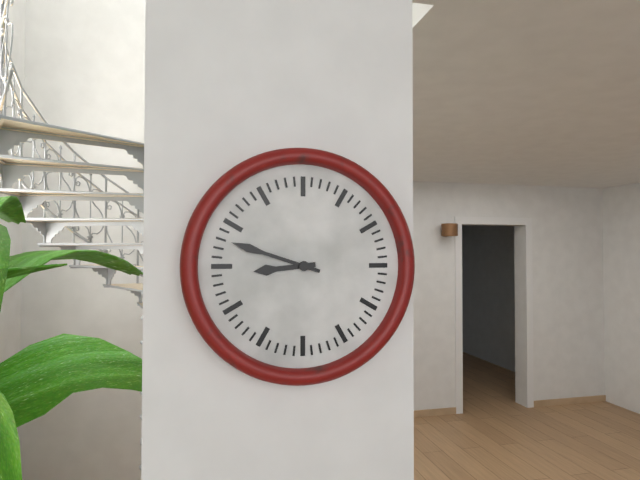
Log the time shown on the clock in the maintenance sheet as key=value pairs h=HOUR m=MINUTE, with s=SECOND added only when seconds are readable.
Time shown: h=8 m=48
